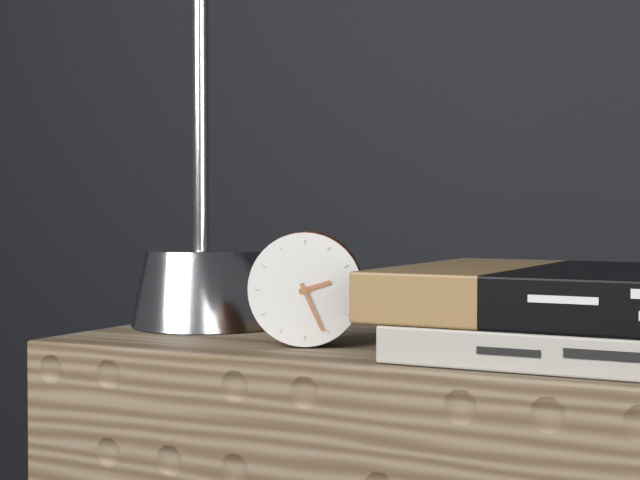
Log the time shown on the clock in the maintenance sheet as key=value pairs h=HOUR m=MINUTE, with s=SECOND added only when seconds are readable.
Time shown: h=2 m=26
